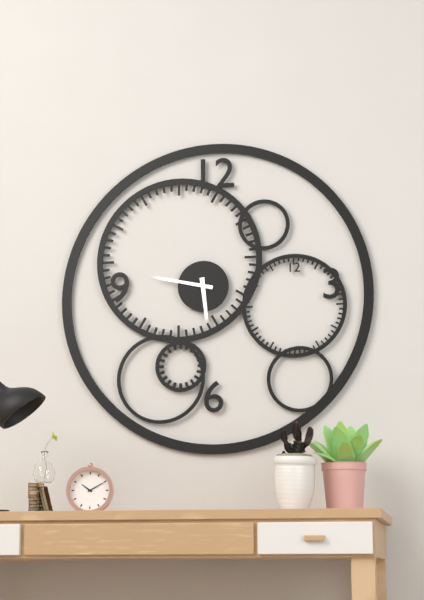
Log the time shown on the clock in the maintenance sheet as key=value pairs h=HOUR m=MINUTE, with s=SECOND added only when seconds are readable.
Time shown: h=5 m=47
